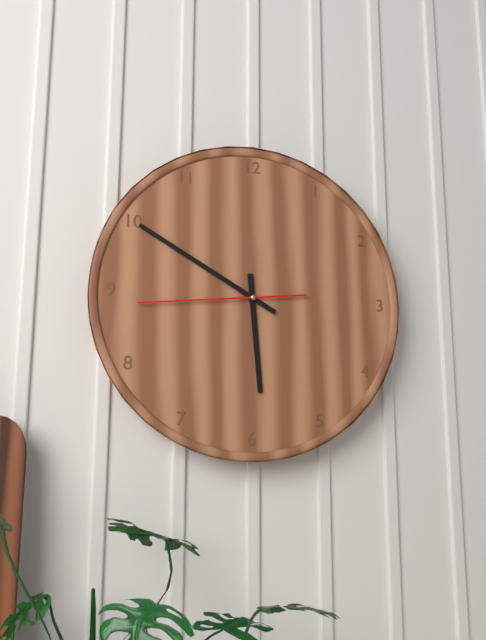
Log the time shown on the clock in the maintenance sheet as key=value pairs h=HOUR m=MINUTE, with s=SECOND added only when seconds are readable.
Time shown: h=5 m=50 s=44
